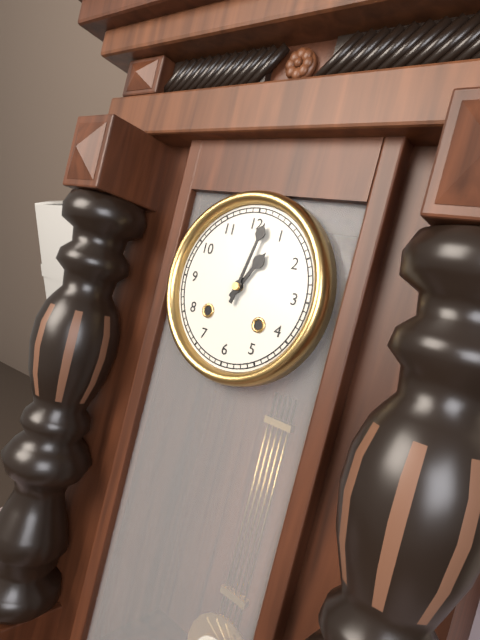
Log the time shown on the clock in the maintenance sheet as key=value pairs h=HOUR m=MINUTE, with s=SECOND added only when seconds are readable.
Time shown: h=1 m=2
